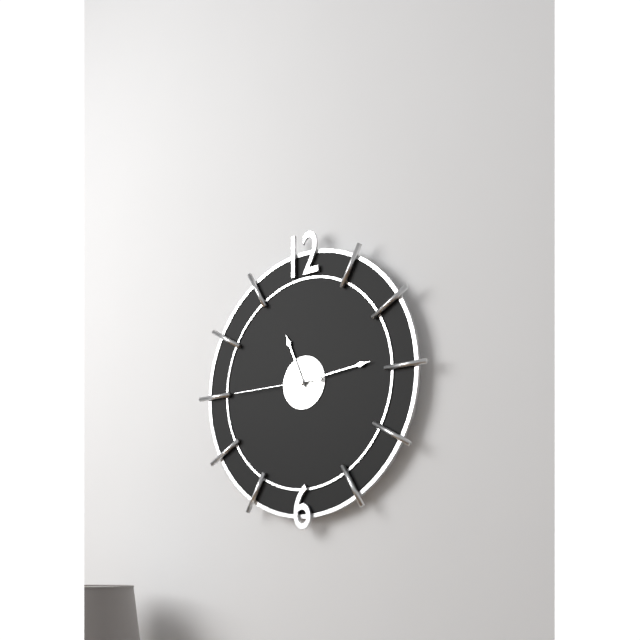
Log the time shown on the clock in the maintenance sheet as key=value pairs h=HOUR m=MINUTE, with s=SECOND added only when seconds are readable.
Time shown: h=11 m=14 s=45
